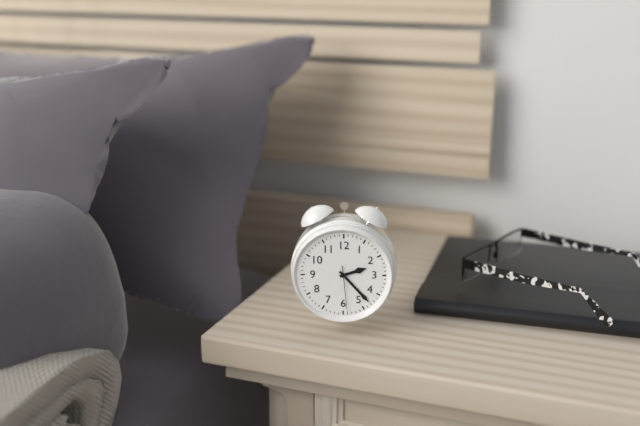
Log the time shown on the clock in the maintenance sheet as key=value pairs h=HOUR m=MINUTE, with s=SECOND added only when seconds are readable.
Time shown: h=2 m=23
